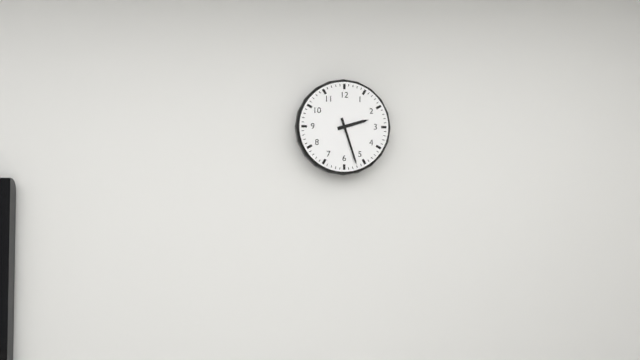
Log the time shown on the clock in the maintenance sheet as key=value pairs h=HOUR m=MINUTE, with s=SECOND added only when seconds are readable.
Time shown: h=2 m=27
